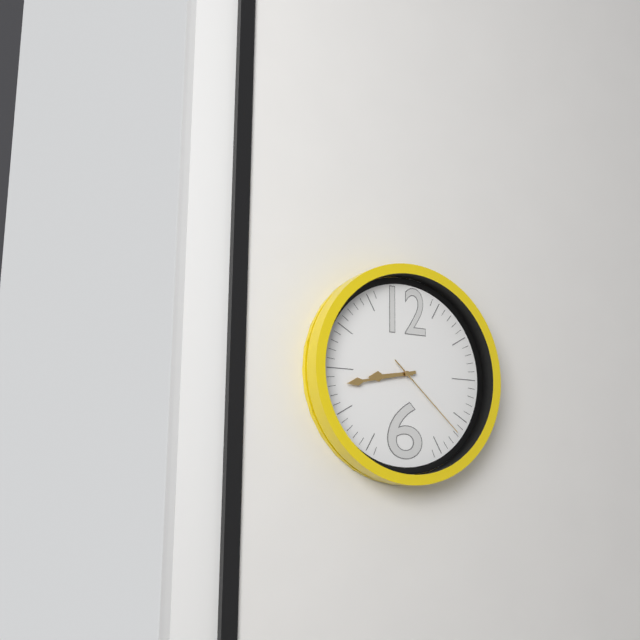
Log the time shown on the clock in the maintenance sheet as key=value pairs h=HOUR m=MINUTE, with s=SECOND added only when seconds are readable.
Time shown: h=8 m=43 s=22
